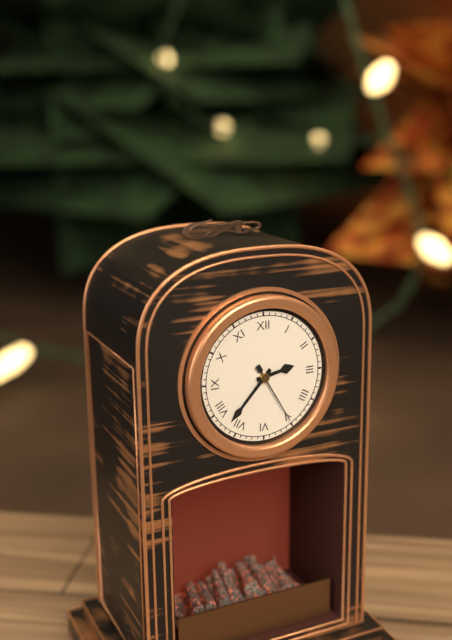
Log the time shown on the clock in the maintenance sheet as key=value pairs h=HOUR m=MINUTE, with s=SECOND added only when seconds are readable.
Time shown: h=2 m=37 s=25
